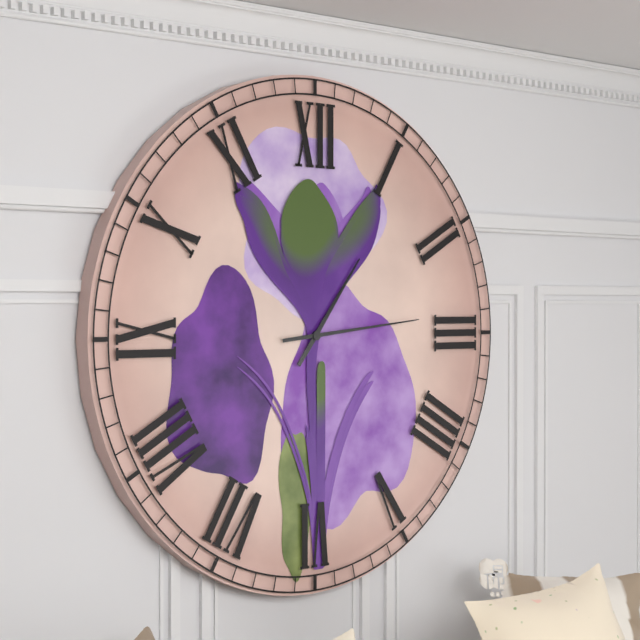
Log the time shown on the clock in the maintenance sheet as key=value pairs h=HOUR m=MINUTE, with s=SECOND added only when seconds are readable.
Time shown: h=1 m=14
